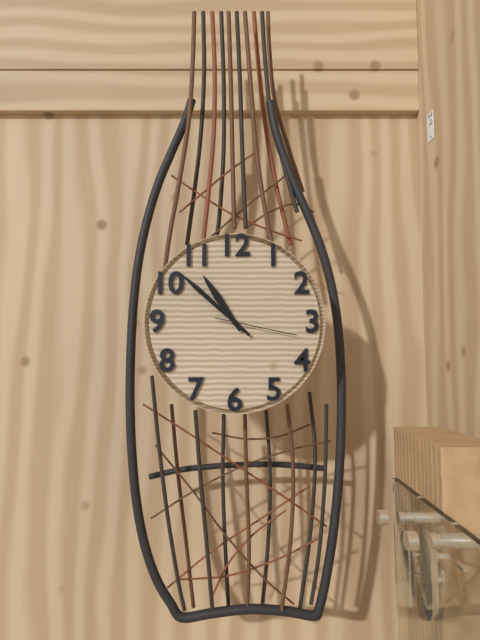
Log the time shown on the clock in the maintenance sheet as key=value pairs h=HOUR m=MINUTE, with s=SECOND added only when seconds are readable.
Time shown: h=10 m=52 s=17
